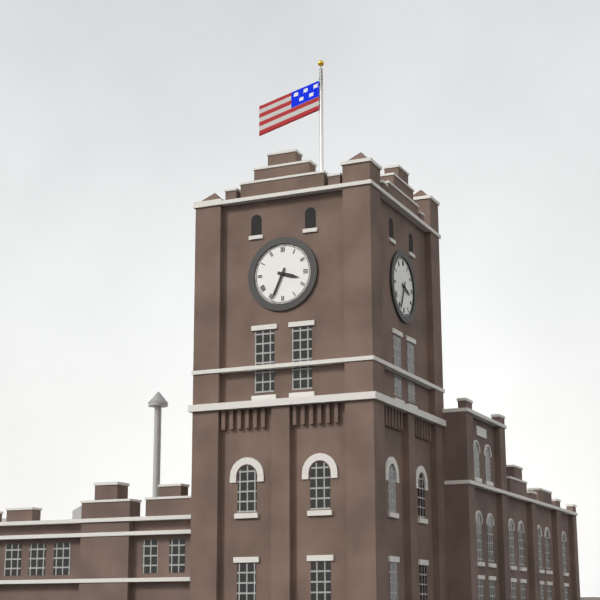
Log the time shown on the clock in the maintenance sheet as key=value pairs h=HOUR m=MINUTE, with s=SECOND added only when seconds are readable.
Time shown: h=3 m=34
